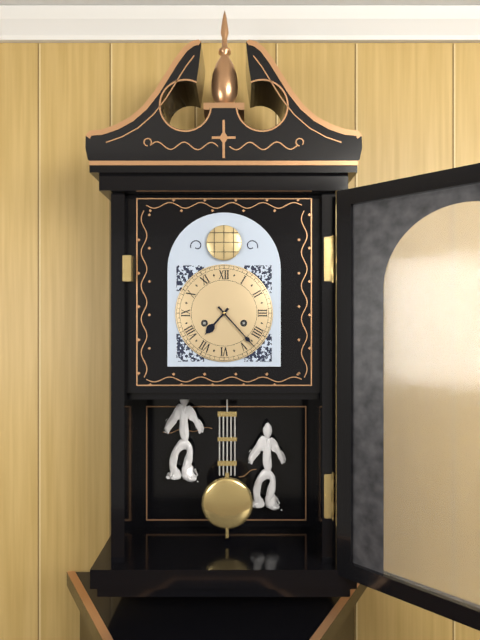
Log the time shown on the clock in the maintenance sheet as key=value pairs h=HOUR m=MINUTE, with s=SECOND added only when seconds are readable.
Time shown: h=7 m=23
